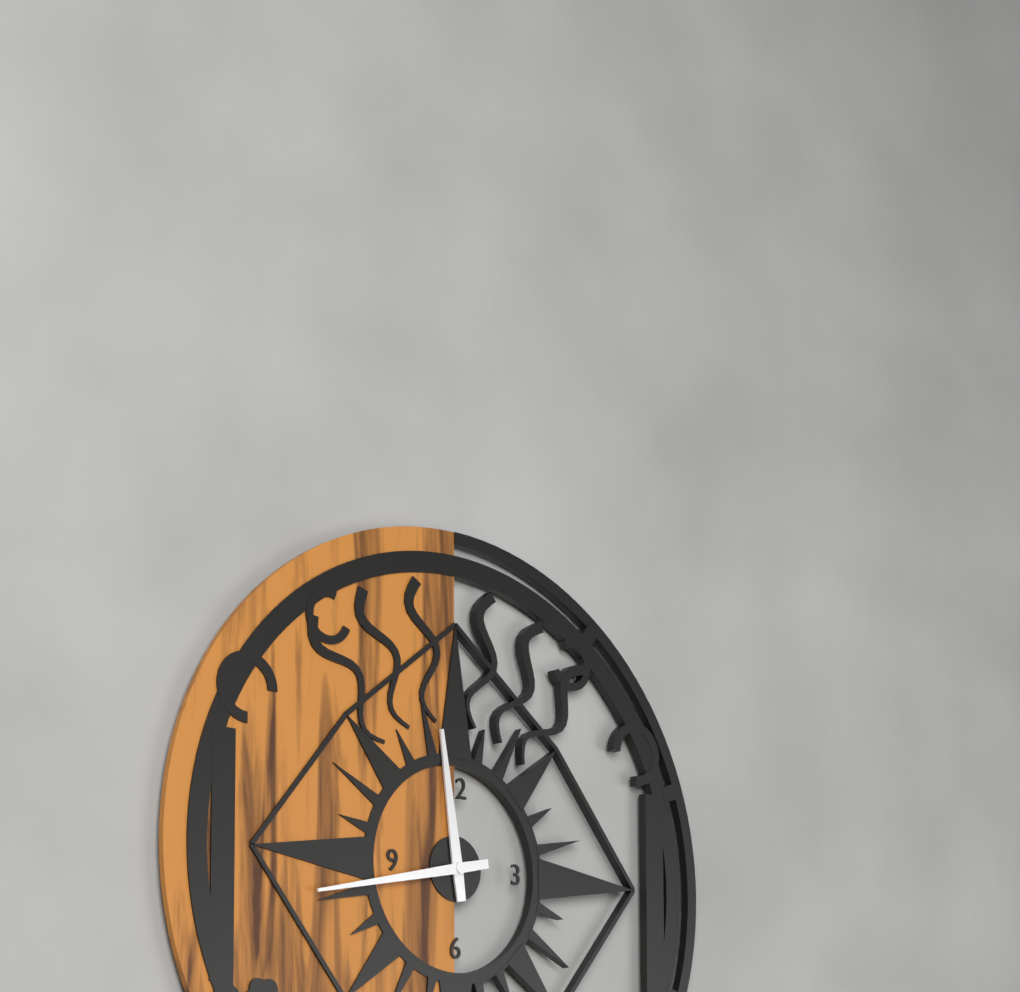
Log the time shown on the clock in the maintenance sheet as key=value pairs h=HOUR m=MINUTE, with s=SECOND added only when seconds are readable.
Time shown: h=11 m=43
